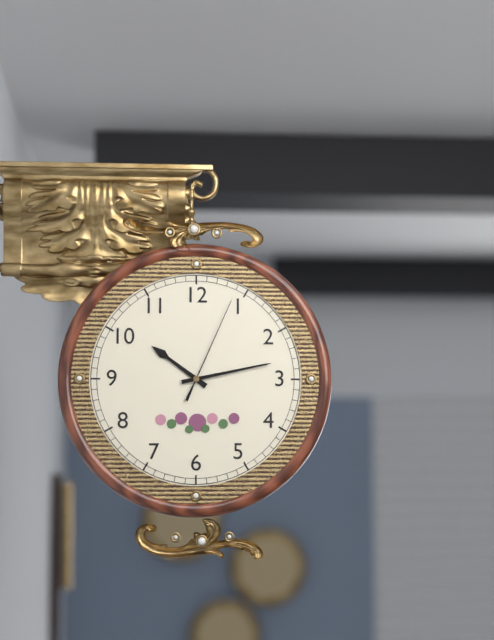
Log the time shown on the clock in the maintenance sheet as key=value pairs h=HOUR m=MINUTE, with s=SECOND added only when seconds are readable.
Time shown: h=10 m=13 s=4
